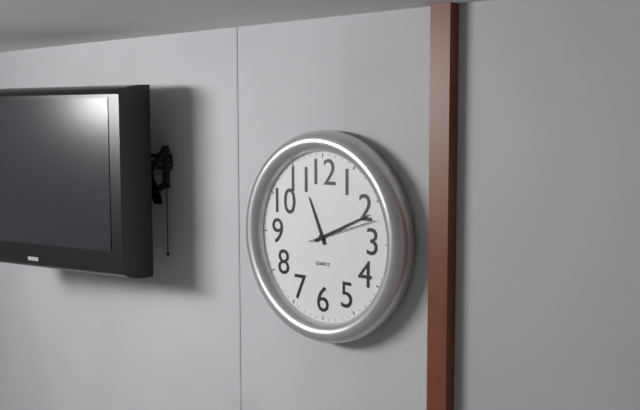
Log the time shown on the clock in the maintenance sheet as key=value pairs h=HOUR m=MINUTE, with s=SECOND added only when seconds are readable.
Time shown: h=11 m=11 s=12
